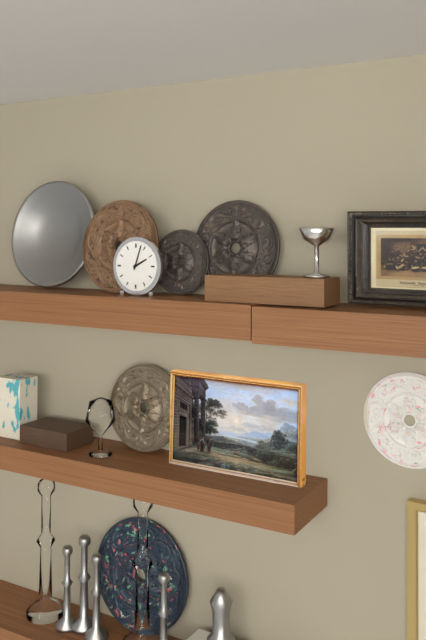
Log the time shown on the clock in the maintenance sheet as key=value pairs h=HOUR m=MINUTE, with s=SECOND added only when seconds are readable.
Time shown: h=2 m=3
